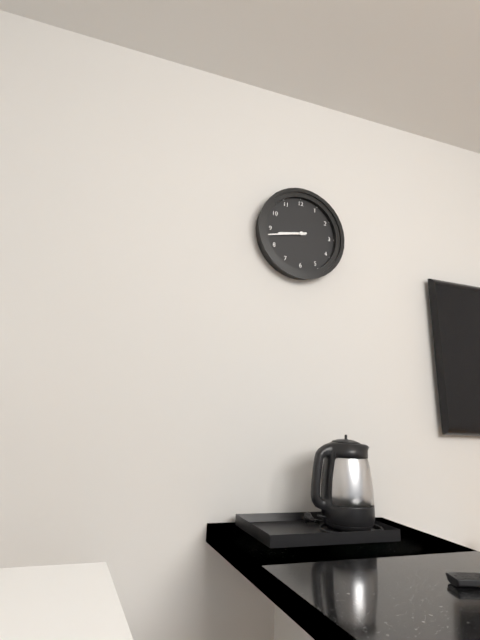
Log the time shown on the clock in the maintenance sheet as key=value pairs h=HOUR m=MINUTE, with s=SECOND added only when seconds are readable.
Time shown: h=8 m=43
